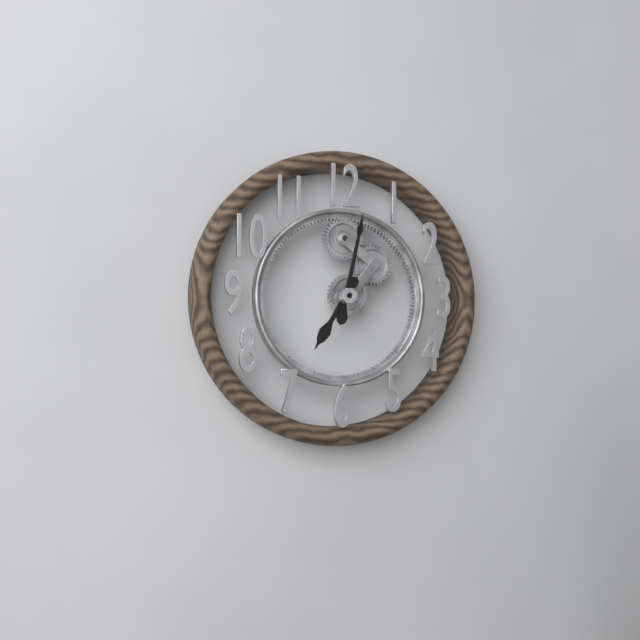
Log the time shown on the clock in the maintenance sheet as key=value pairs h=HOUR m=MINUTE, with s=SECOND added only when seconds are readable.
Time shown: h=7 m=2
